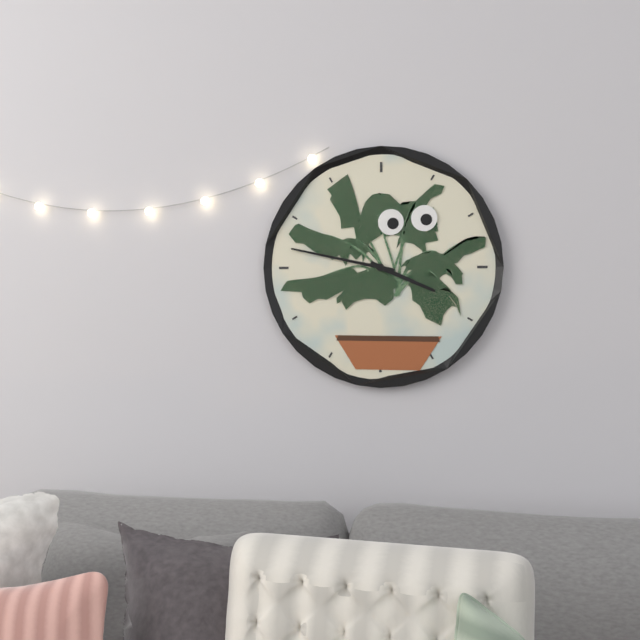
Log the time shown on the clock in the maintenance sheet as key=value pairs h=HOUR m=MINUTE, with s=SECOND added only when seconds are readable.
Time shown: h=3 m=47
